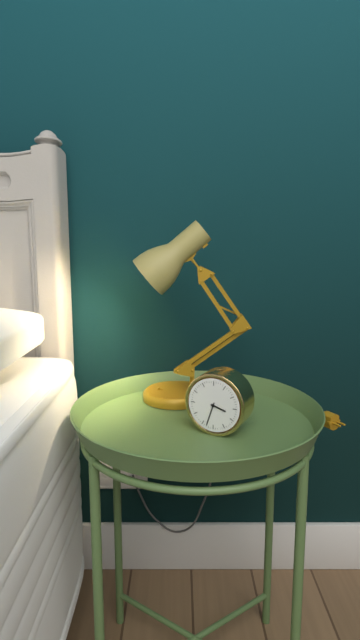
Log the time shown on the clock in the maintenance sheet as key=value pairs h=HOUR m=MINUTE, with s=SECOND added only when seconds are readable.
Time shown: h=3 m=33
